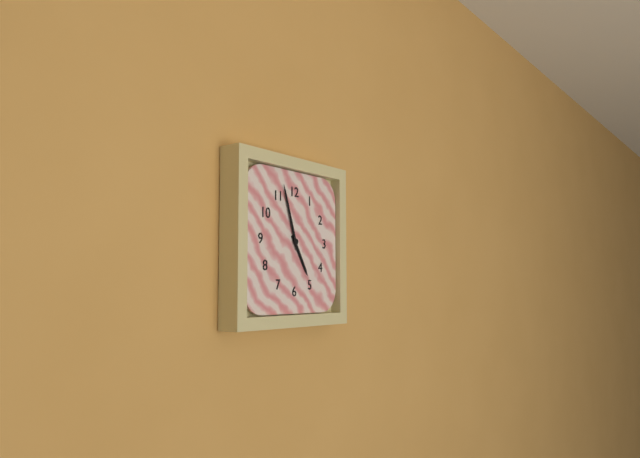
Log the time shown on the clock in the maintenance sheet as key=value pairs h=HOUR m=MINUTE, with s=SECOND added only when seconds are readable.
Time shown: h=4 m=57
